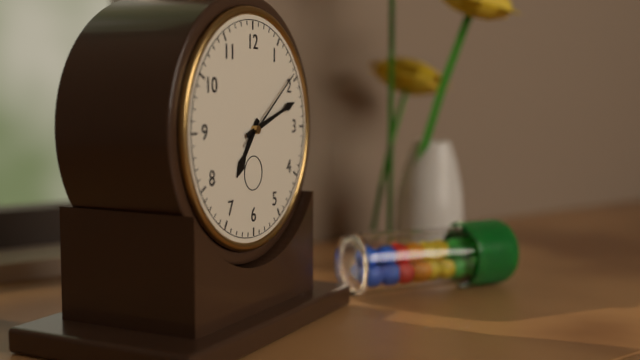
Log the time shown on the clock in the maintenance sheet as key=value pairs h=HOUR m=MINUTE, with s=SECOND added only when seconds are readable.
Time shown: h=7 m=12 s=9
